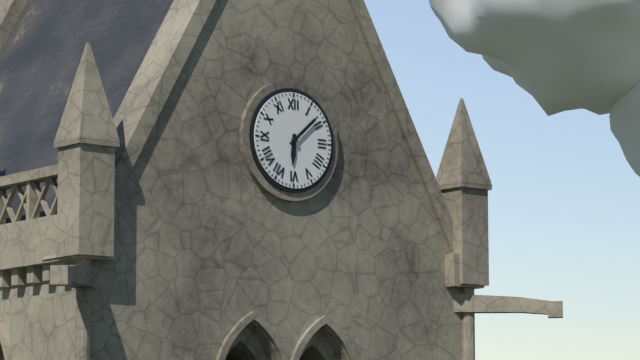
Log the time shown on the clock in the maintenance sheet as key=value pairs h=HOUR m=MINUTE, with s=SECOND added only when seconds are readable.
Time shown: h=6 m=8
